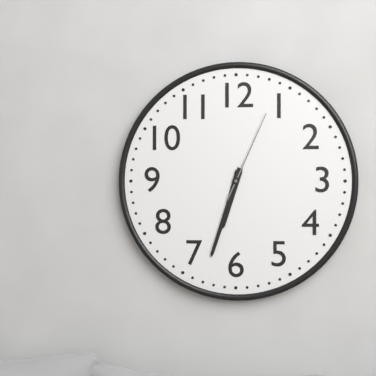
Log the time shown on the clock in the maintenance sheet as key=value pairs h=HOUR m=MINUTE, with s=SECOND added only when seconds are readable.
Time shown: h=6 m=33 s=4
